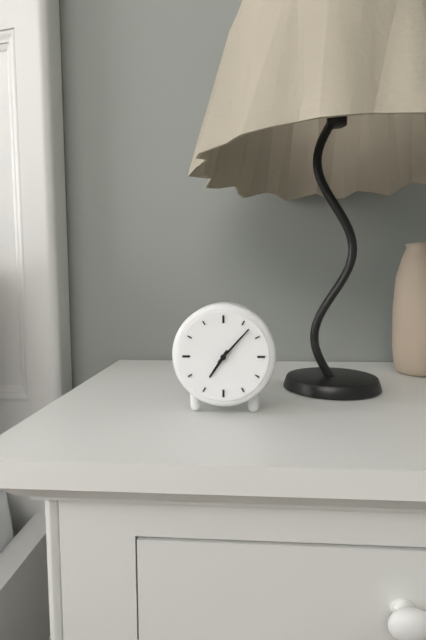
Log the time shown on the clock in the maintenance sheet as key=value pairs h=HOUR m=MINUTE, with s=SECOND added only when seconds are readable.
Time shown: h=7 m=7
